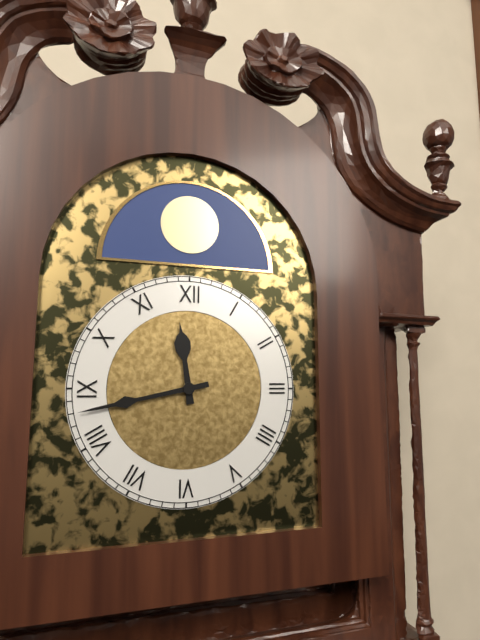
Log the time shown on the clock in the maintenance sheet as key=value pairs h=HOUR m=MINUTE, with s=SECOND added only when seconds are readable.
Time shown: h=11 m=43
